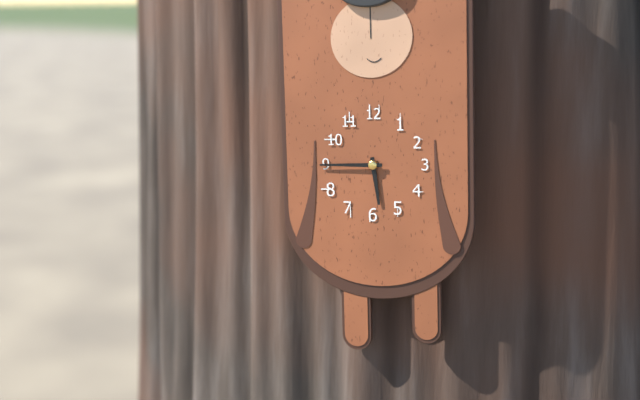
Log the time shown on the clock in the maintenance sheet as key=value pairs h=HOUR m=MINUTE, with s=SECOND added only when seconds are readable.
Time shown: h=5 m=45
